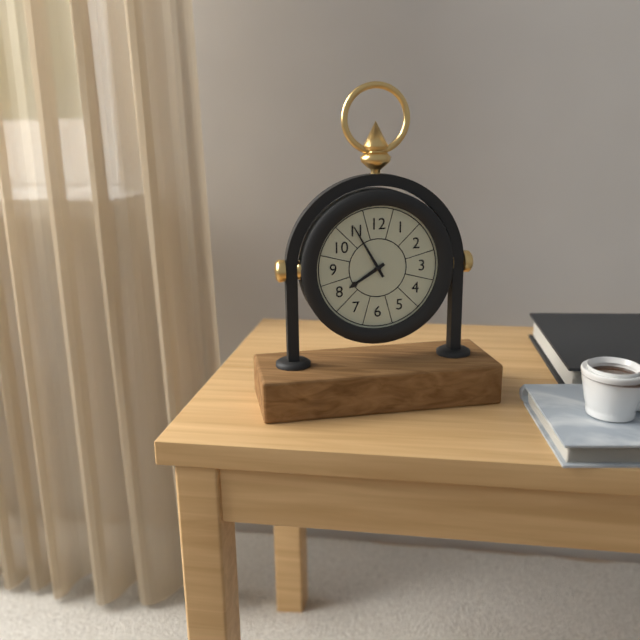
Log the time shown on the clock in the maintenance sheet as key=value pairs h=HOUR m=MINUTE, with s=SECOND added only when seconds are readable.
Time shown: h=7 m=55
